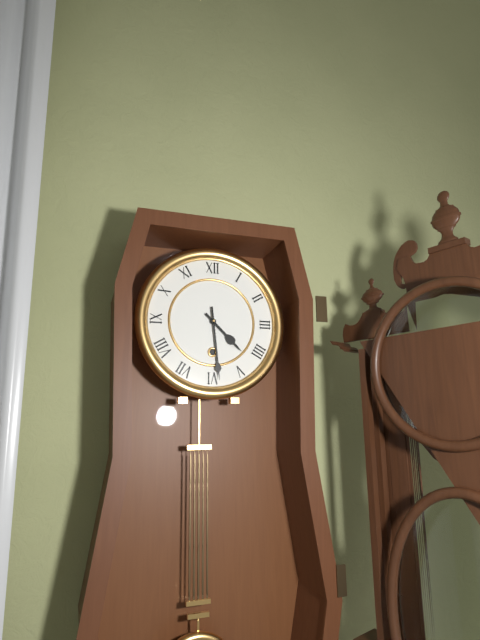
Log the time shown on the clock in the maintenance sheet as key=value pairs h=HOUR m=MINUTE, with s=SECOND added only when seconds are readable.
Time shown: h=4 m=29
